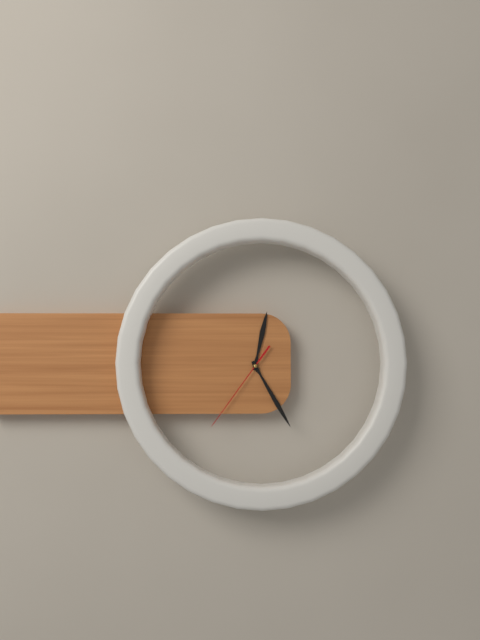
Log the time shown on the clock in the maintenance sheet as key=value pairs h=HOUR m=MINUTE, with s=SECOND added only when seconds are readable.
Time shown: h=12 m=25 s=36
